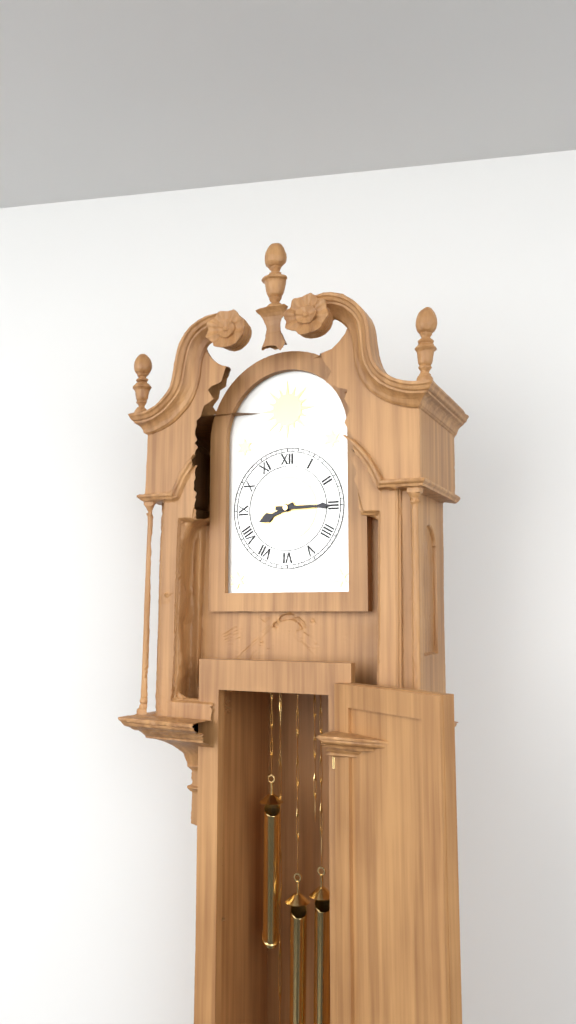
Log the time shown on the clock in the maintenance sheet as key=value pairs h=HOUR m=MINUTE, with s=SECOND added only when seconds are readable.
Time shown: h=8 m=15
